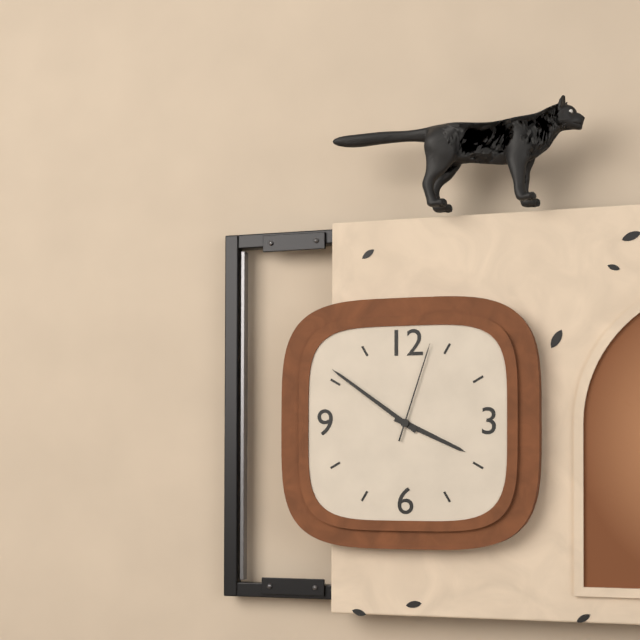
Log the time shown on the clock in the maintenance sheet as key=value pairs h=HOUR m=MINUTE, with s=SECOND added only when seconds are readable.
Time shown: h=3 m=51 s=3
